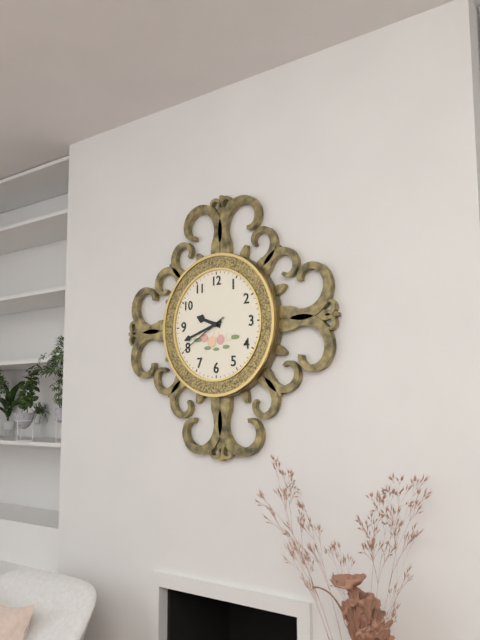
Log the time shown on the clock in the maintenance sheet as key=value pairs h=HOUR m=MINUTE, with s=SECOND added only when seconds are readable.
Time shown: h=9 m=42 s=40
